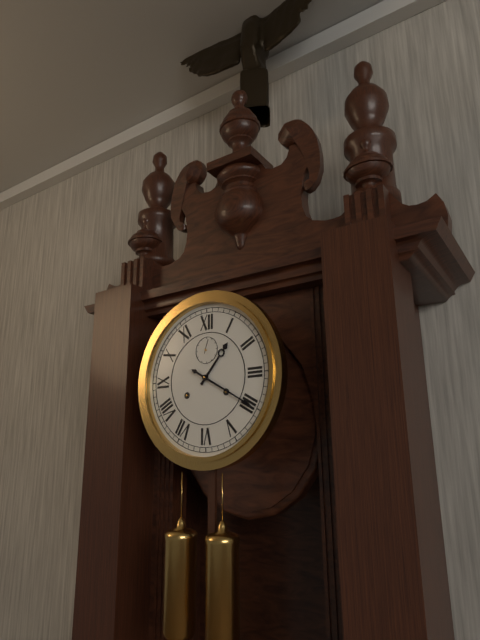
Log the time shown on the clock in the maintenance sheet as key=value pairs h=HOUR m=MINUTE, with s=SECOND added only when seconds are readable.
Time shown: h=1 m=20
